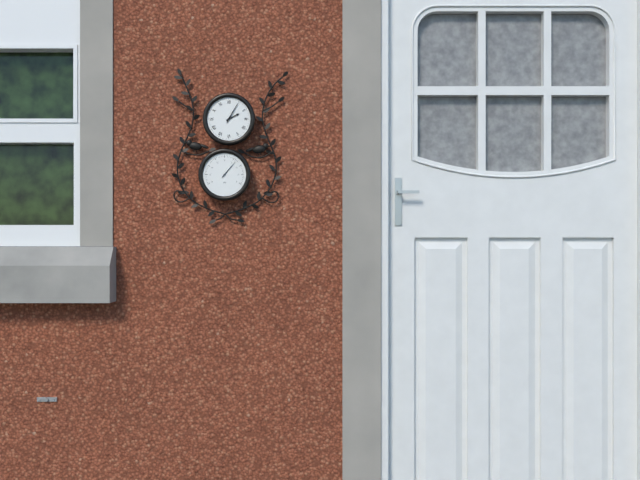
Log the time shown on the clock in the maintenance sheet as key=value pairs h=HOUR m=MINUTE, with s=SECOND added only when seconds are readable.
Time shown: h=2 m=5
